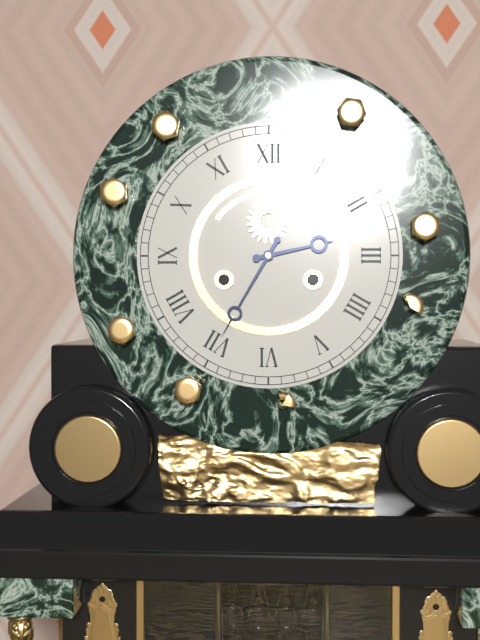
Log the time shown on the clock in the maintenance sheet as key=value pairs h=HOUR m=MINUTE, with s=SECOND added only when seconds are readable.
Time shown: h=2 m=35
